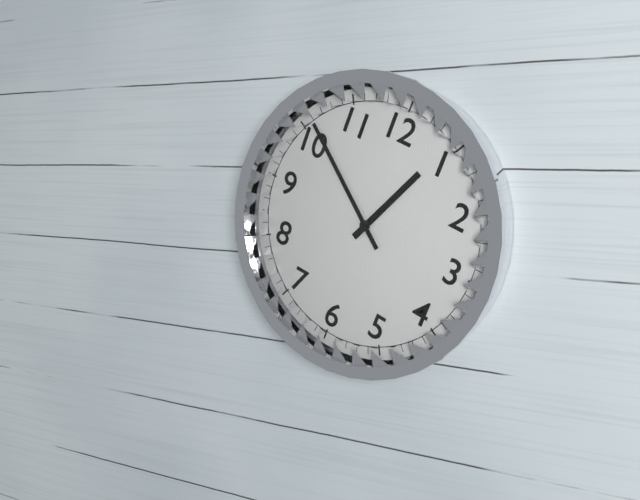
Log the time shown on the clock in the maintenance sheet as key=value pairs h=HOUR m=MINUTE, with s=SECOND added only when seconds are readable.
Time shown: h=12 m=51
